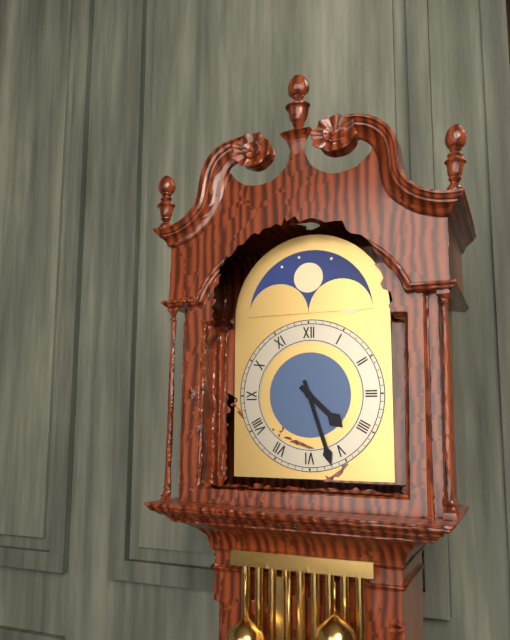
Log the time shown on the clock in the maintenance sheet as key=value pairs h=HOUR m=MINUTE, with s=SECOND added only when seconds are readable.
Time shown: h=4 m=27
